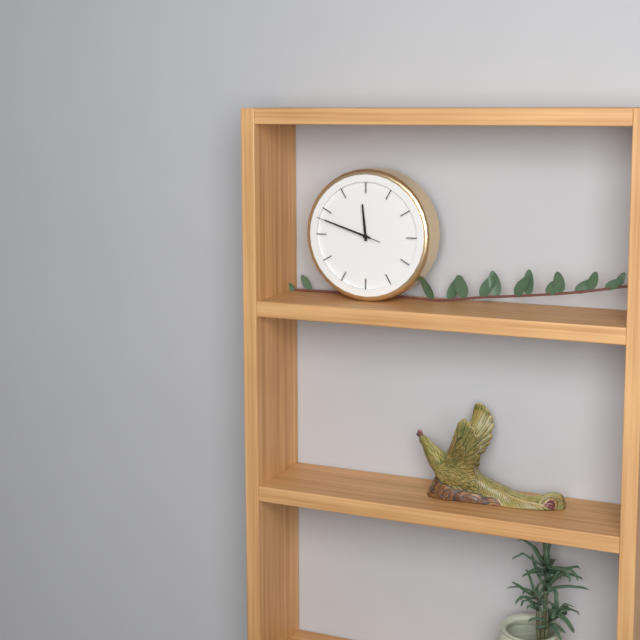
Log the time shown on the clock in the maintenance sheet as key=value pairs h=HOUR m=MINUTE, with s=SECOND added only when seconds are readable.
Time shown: h=11 m=48 s=48
